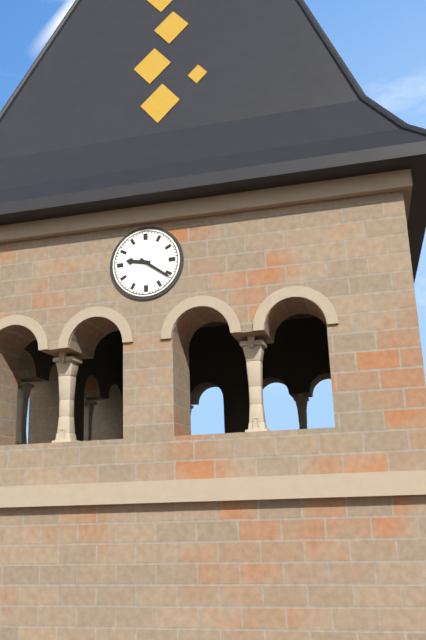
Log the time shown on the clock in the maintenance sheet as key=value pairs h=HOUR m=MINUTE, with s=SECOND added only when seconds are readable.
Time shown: h=9 m=21
